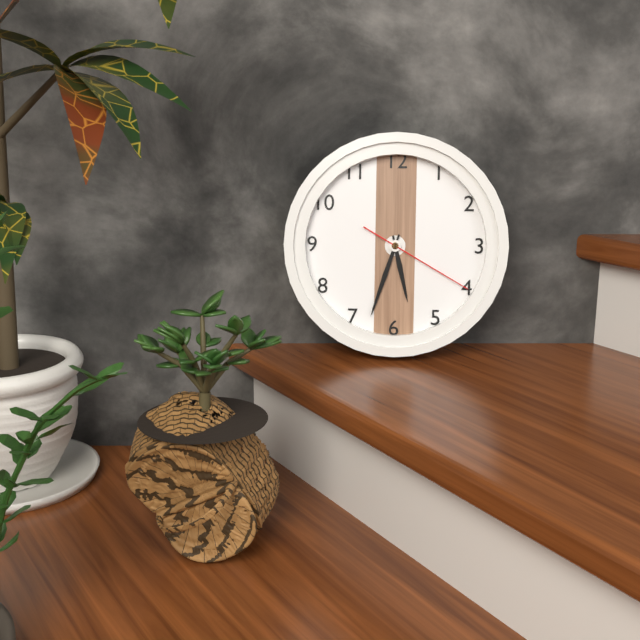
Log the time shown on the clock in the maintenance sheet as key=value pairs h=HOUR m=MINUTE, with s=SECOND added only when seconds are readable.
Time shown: h=5 m=33 s=20
